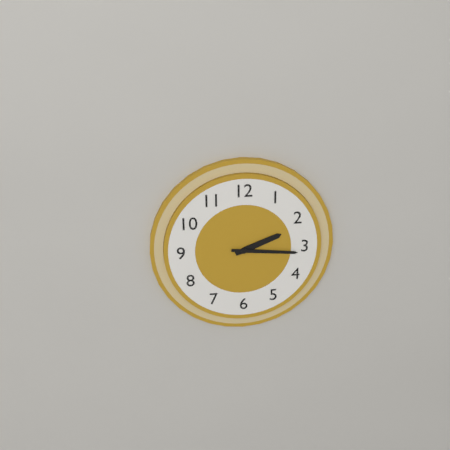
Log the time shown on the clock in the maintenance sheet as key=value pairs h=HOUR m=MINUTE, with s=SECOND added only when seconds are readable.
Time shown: h=2 m=16
